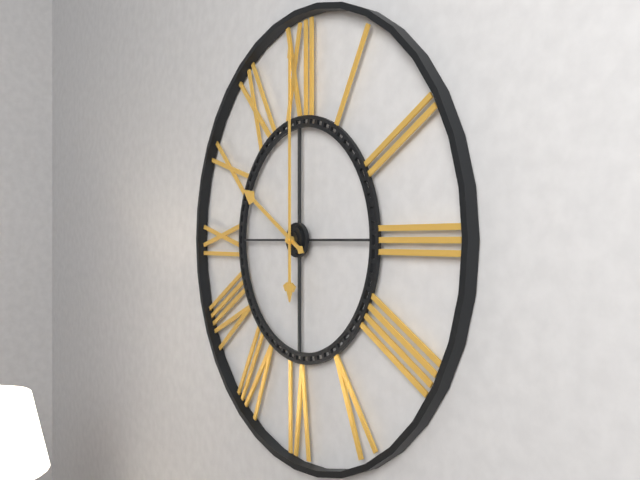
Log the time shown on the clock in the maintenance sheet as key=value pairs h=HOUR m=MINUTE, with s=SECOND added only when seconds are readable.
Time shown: h=10 m=0
